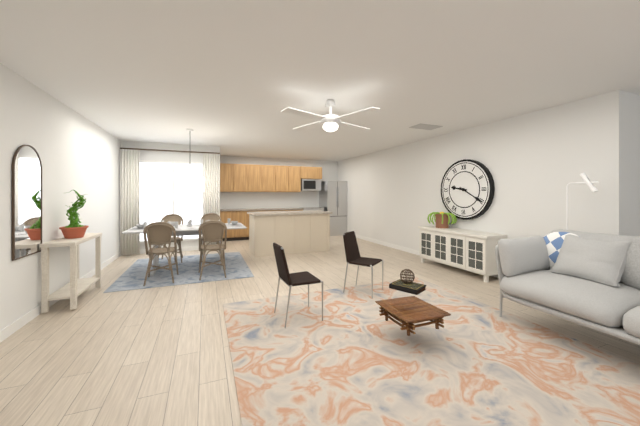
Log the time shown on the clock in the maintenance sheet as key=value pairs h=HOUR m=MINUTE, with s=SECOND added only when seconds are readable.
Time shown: h=9 m=20
